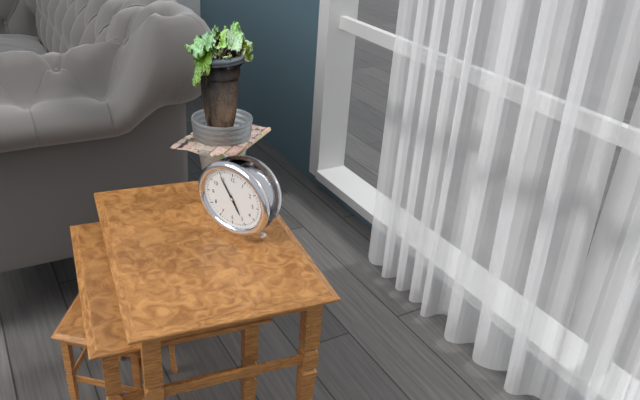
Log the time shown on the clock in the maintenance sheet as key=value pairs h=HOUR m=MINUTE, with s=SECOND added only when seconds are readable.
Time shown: h=4 m=54
